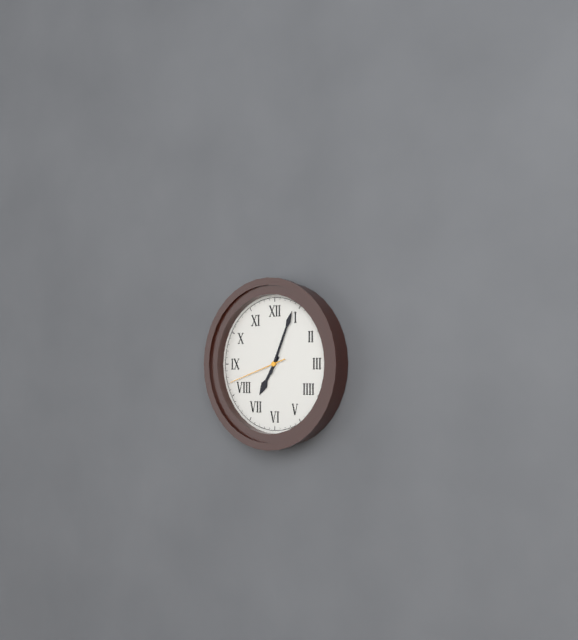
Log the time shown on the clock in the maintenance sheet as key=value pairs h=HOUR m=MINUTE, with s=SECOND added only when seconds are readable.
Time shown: h=7 m=4 s=42
